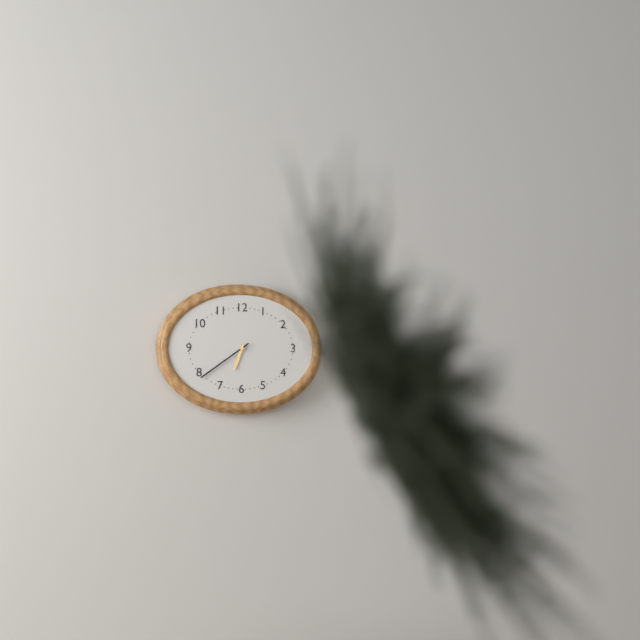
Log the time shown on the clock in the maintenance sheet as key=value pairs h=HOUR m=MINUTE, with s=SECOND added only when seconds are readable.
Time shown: h=6 m=39
